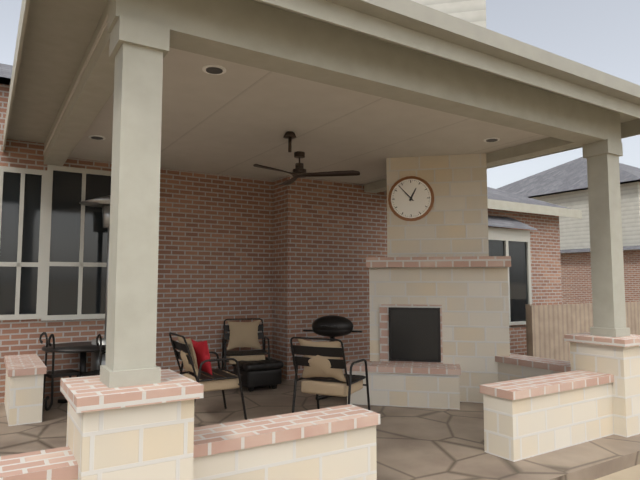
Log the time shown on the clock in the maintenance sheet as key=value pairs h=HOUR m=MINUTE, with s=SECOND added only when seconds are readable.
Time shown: h=12 m=53
